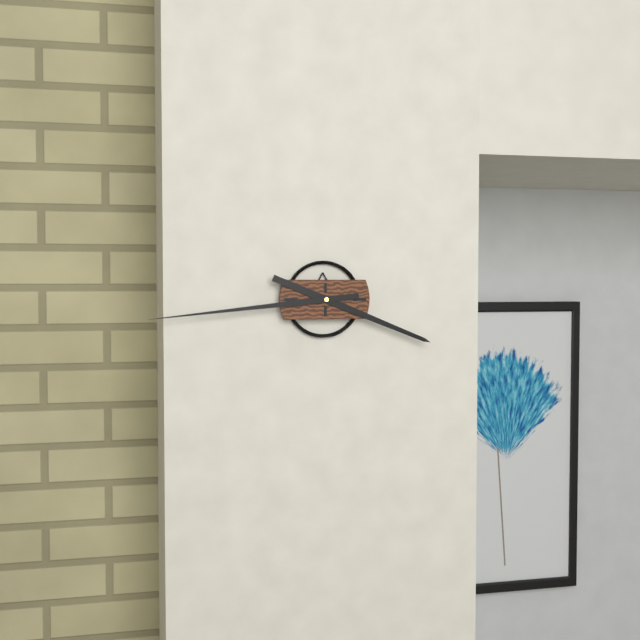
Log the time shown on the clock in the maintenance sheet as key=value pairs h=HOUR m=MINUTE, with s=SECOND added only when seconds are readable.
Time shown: h=3 m=44
